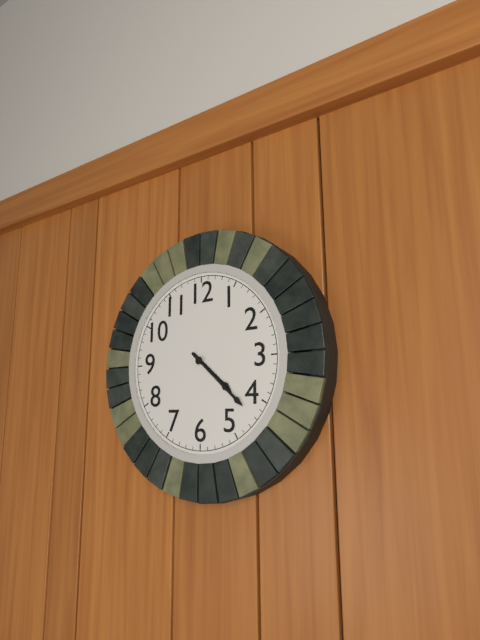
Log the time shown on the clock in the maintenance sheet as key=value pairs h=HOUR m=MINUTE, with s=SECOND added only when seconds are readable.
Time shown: h=4 m=22
